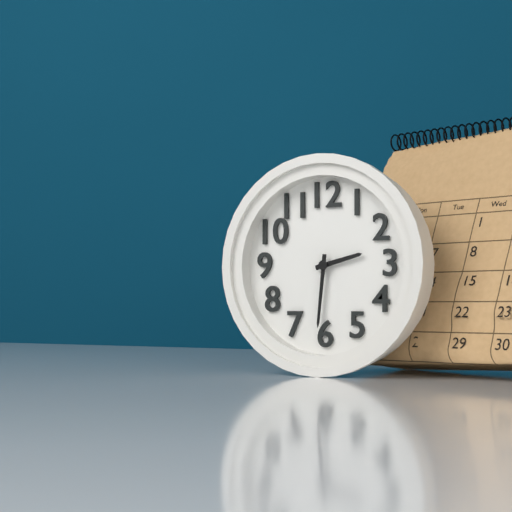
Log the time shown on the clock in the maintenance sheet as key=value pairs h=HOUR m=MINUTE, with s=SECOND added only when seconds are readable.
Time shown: h=2 m=31
